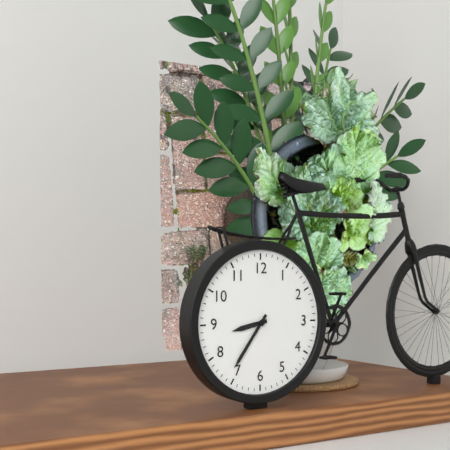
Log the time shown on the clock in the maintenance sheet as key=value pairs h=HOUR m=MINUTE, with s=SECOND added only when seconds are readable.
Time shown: h=8 m=36
